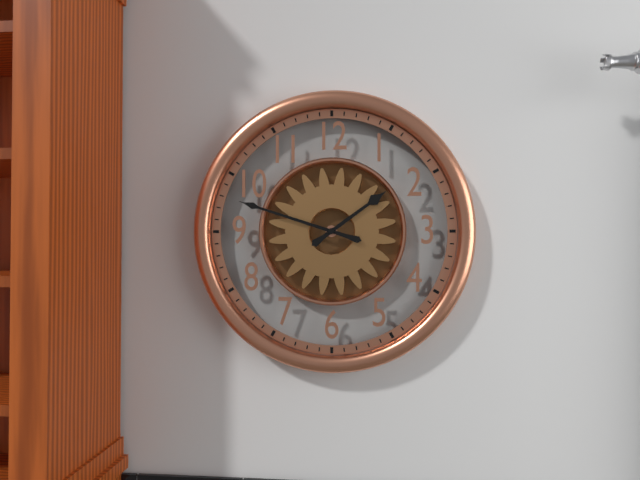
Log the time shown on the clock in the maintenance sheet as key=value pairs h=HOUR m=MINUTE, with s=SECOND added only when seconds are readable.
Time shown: h=1 m=48
